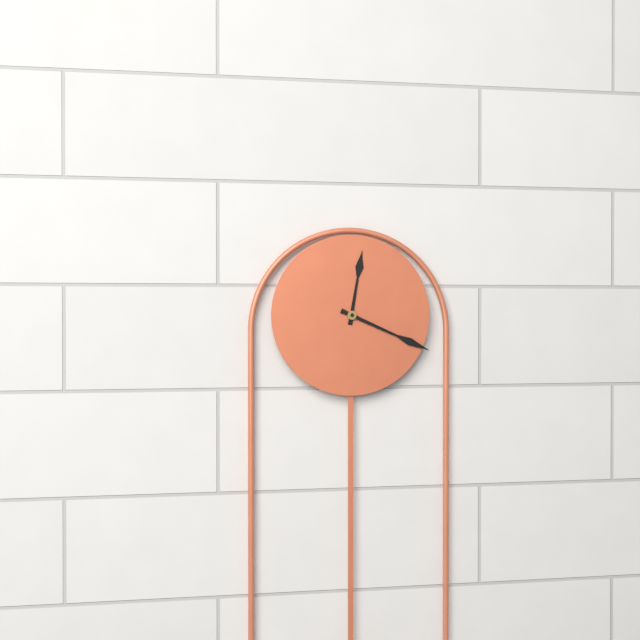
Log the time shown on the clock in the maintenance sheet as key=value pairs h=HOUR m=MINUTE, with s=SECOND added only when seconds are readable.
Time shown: h=12 m=19
